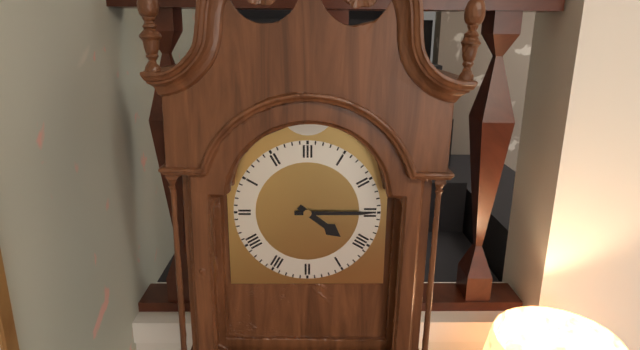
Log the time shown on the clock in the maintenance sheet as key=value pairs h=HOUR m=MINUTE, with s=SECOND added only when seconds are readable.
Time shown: h=4 m=15
